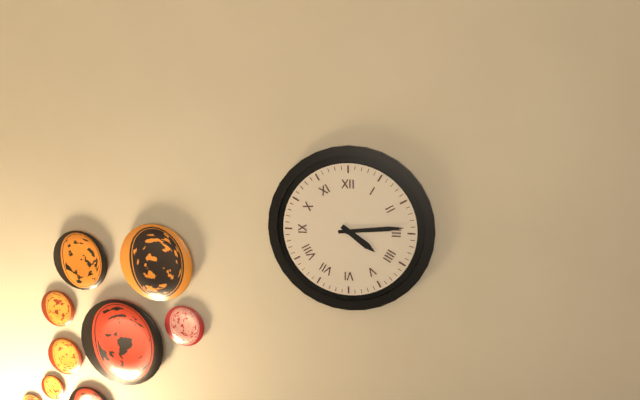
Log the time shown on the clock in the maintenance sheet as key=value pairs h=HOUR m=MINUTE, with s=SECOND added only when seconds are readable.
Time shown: h=4 m=14
